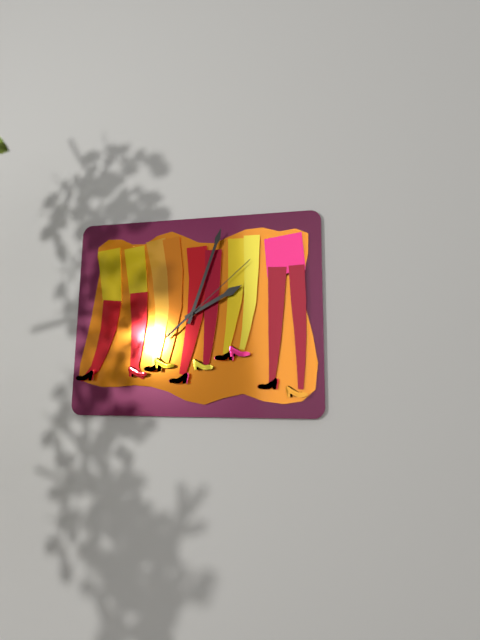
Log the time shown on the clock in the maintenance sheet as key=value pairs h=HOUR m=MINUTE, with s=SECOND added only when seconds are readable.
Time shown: h=2 m=3 s=8
